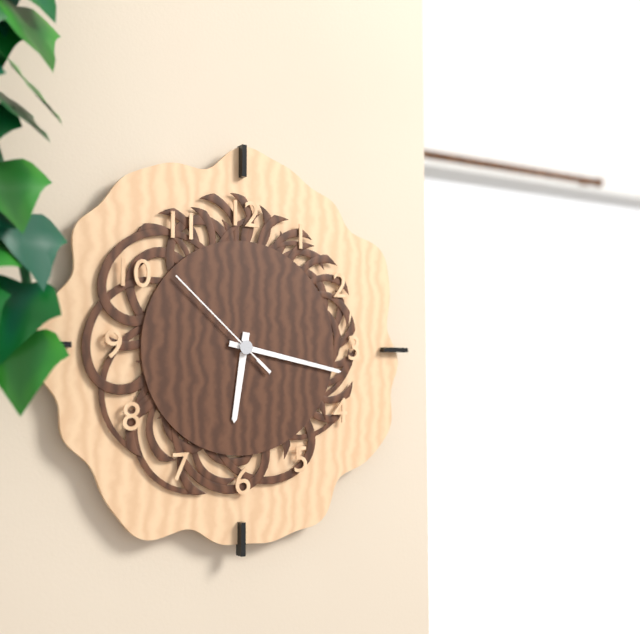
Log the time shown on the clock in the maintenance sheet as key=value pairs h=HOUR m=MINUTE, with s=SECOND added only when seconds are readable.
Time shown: h=6 m=17 s=52
